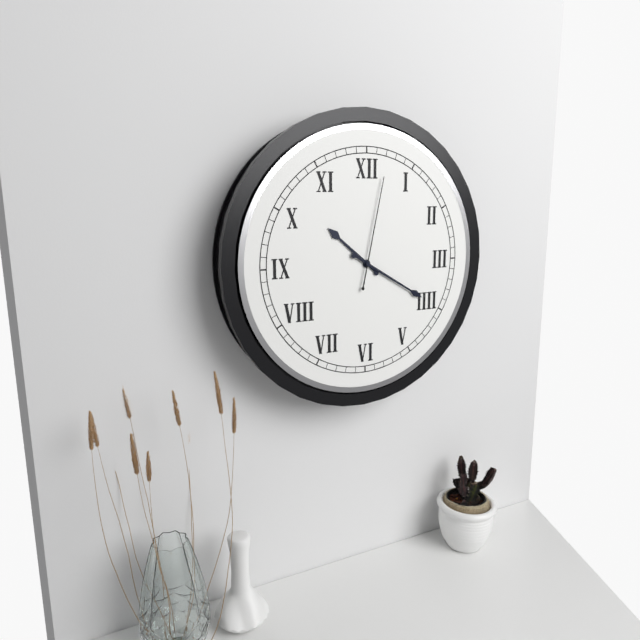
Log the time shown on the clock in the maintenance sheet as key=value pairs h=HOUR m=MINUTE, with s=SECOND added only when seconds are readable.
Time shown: h=10 m=20 s=2
